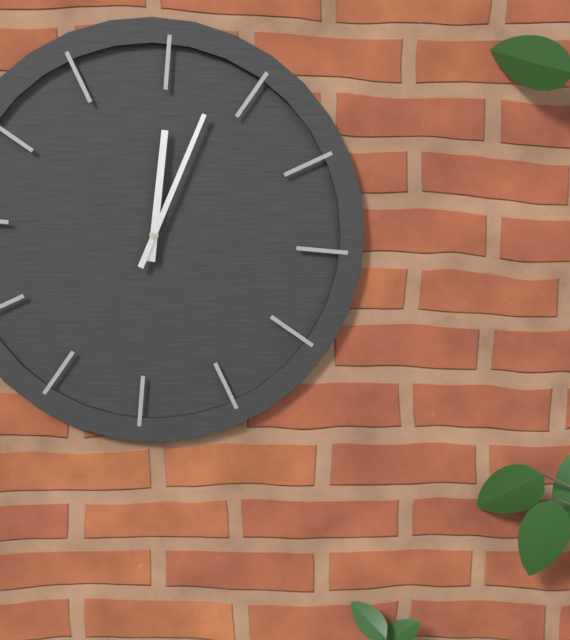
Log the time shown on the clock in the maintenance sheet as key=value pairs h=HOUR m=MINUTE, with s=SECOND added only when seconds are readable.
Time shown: h=12 m=3
